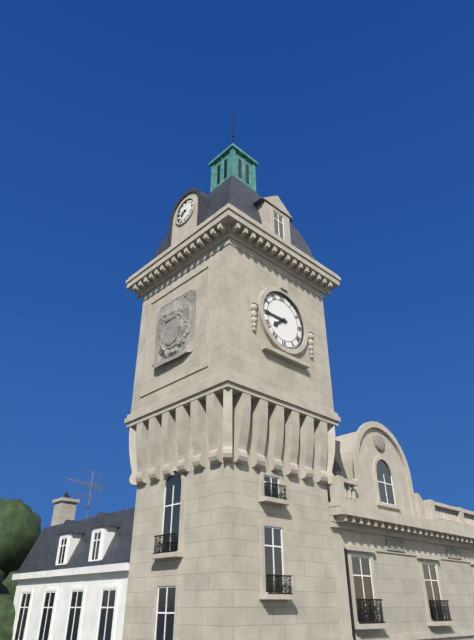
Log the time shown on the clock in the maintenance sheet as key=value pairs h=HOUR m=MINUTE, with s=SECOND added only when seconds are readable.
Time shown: h=7 m=45
